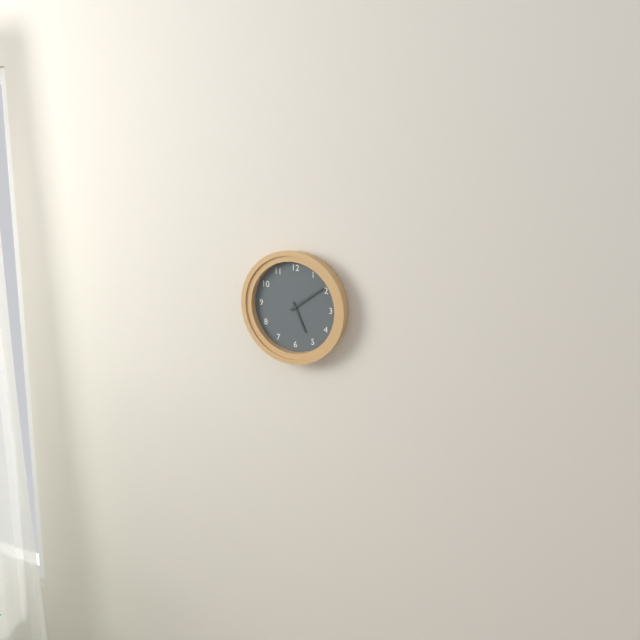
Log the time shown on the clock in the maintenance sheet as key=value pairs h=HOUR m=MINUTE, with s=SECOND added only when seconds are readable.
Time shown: h=5 m=9
